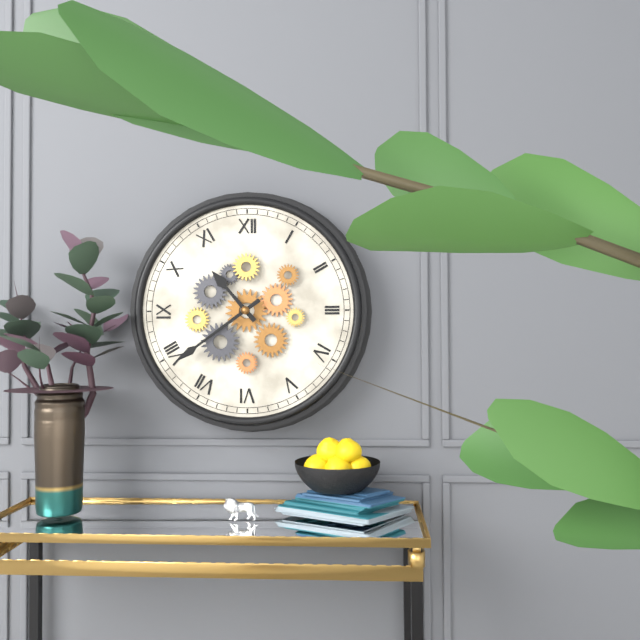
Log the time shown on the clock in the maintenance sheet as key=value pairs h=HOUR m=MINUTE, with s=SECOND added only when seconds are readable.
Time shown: h=10 m=39
